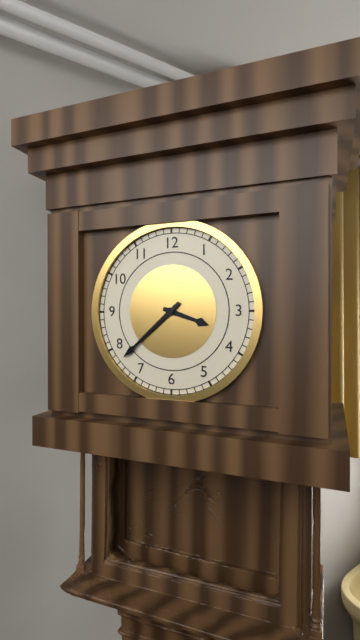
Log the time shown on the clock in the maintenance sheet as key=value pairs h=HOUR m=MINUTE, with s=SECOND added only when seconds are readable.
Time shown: h=3 m=38
